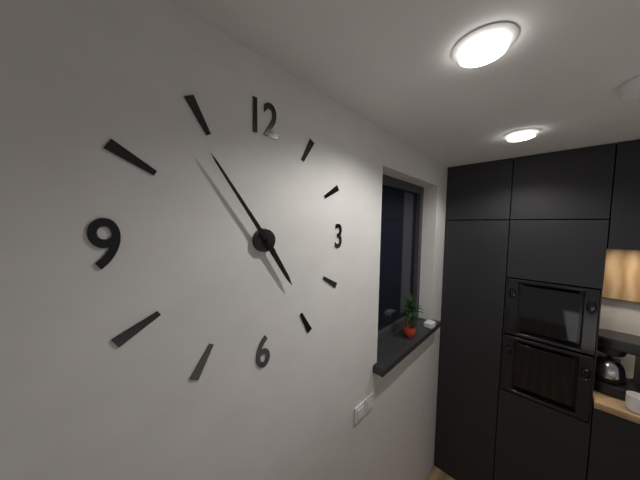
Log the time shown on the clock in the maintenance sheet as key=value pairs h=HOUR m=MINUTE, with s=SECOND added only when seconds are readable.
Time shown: h=4 m=54
